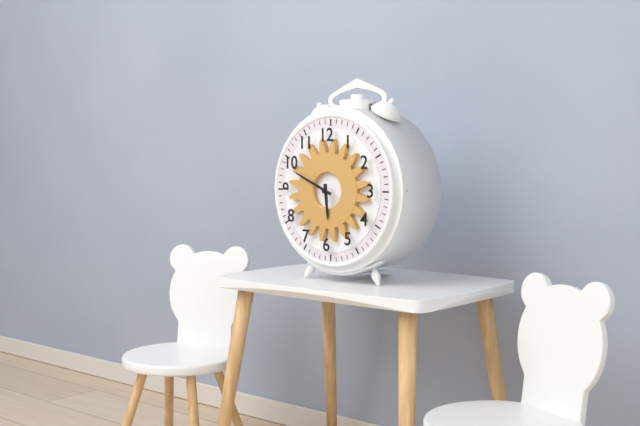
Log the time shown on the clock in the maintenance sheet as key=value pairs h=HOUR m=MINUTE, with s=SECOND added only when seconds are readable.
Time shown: h=5 m=49
